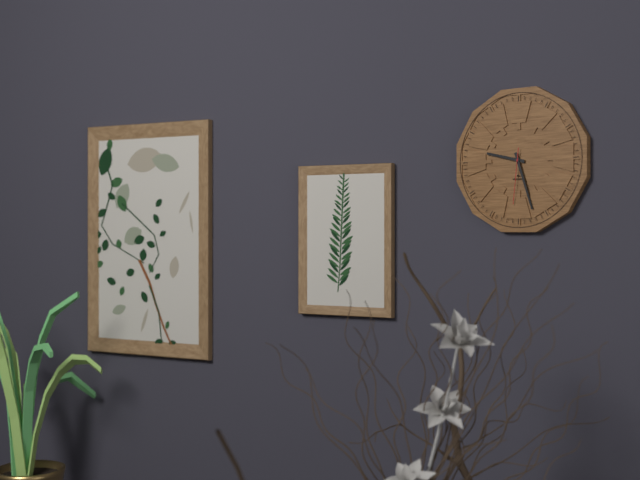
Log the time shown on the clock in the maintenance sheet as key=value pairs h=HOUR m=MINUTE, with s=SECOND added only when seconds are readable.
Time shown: h=9 m=27 s=31
